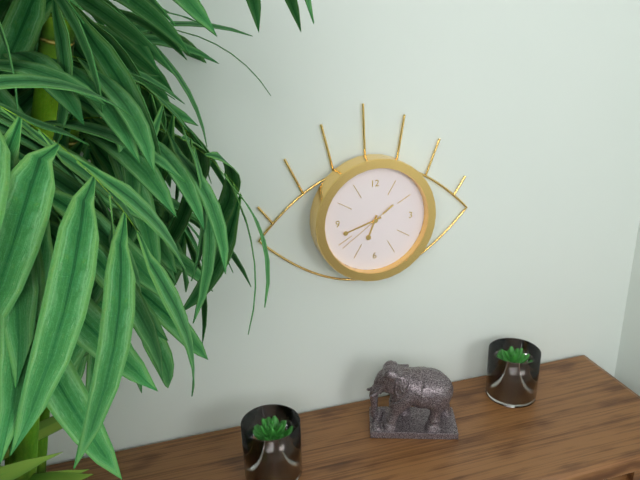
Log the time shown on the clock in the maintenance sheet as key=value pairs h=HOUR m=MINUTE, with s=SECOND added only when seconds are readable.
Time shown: h=6 m=42 s=39
